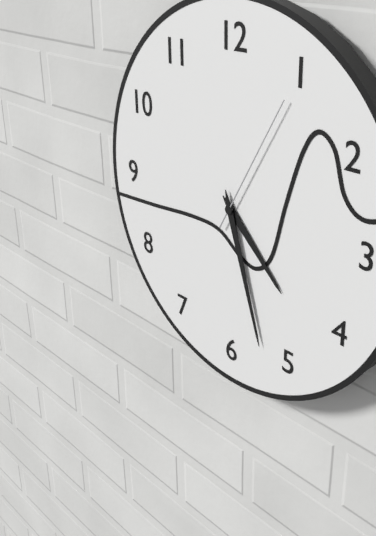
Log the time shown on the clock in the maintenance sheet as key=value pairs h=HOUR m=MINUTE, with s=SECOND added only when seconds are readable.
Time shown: h=4 m=27 s=5
